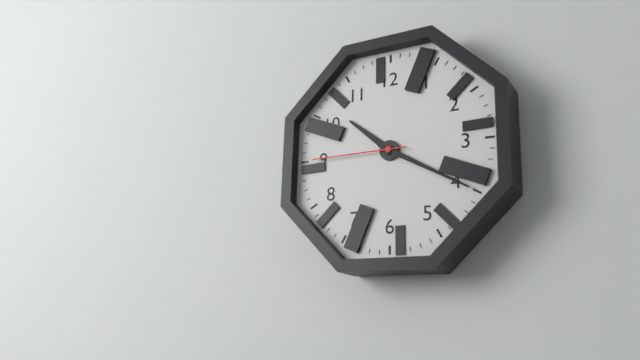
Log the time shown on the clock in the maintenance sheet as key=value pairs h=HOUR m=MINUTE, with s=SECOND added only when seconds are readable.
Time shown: h=10 m=20 s=45
